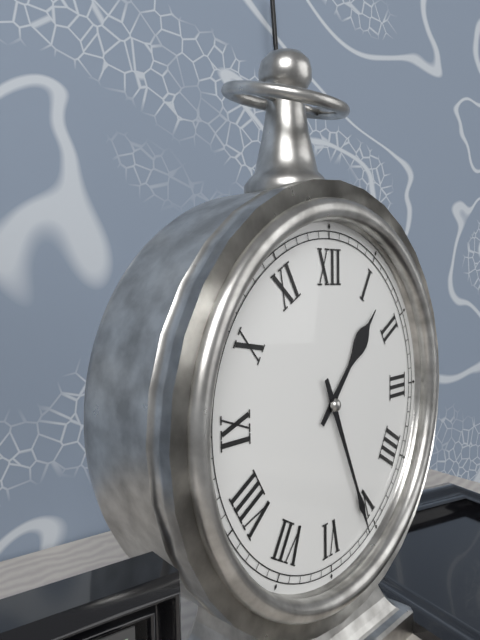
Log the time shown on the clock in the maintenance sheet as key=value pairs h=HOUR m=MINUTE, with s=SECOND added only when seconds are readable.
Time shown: h=1 m=26
